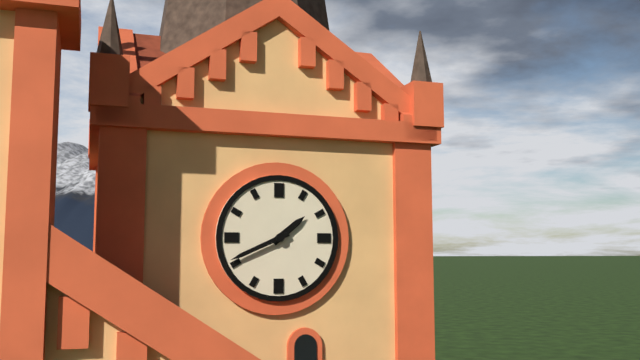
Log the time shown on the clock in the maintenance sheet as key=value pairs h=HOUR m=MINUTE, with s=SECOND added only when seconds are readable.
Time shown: h=1 m=41
